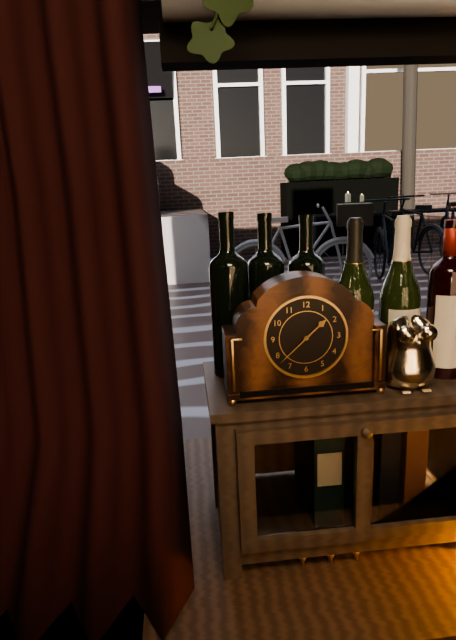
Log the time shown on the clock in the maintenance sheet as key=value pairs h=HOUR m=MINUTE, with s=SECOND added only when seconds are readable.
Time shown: h=1 m=38
